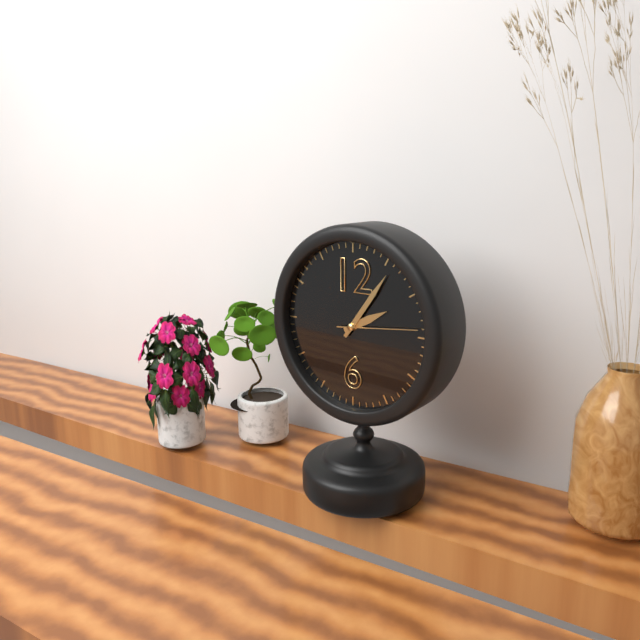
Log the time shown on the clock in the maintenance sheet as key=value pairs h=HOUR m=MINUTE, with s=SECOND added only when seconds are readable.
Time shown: h=2 m=6 s=14
